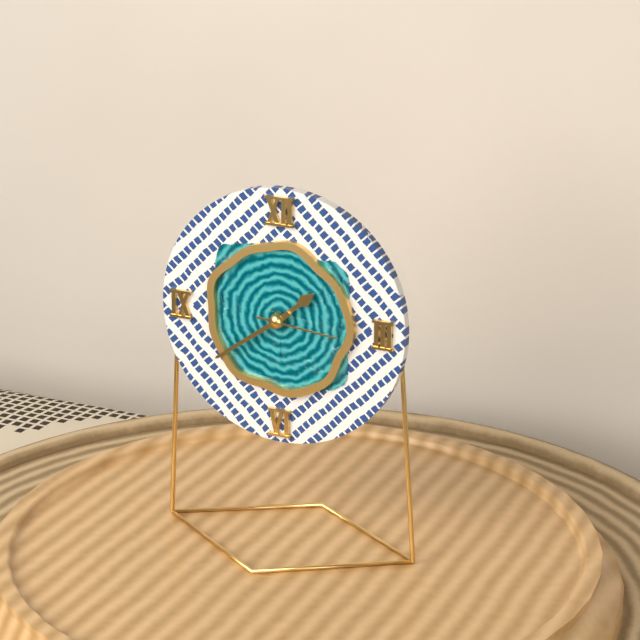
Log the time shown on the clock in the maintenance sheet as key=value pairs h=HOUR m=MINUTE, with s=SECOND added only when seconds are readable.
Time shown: h=1 m=39 s=16
